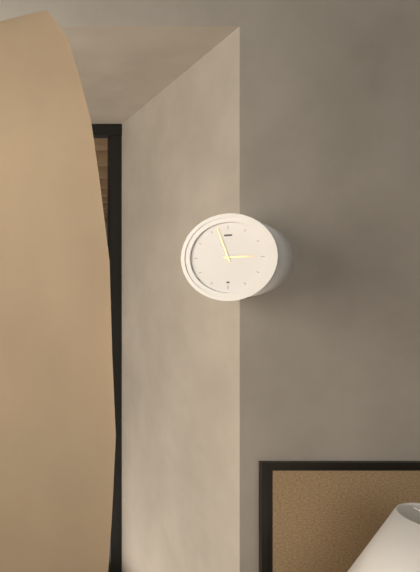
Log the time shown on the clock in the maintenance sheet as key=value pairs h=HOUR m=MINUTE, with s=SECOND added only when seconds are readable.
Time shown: h=2 m=57
